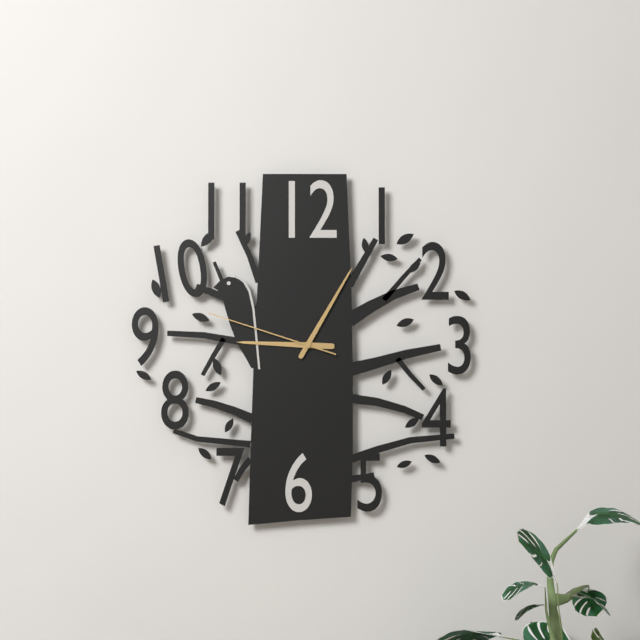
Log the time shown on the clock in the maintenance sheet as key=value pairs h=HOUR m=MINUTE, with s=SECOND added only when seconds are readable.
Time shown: h=9 m=5 s=48
